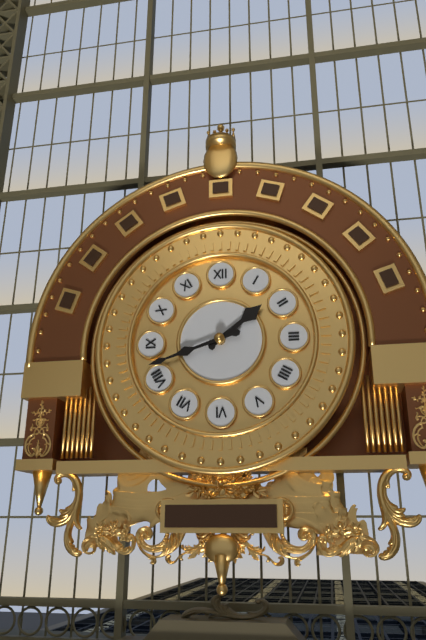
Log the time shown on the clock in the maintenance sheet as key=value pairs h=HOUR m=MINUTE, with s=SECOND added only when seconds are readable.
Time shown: h=1 m=42
